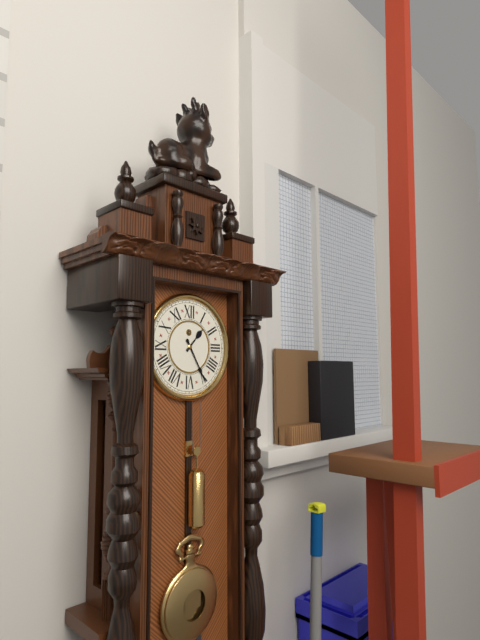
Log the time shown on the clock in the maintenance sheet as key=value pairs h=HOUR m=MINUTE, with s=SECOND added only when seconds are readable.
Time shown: h=1 m=25
